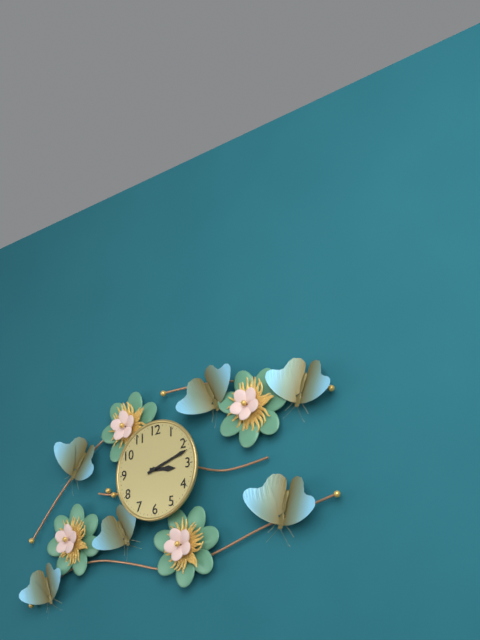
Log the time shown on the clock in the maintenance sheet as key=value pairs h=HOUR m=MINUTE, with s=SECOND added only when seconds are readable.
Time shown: h=3 m=12
